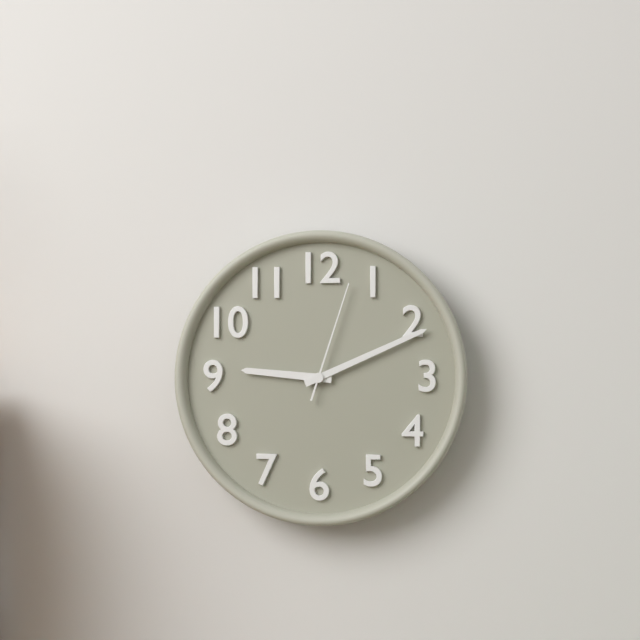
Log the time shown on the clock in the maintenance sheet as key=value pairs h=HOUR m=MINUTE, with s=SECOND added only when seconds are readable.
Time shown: h=9 m=11 s=3
